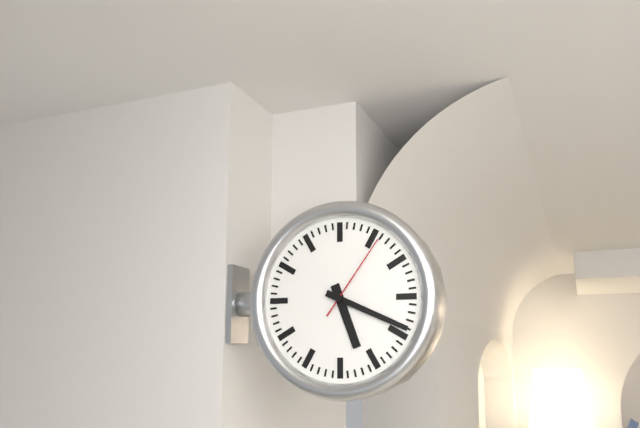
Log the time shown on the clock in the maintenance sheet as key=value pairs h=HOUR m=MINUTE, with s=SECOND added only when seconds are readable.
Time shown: h=5 m=19 s=6
